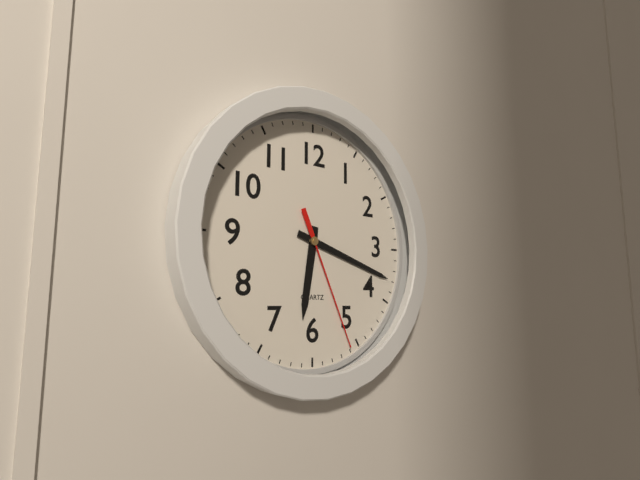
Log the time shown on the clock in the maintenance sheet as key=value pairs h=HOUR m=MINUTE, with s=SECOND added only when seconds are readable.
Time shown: h=6 m=18 s=26
